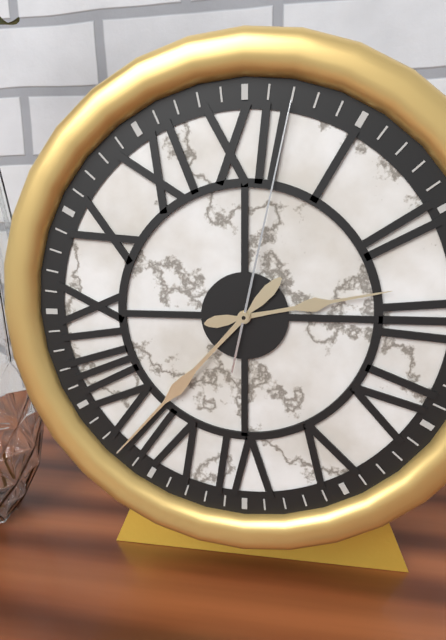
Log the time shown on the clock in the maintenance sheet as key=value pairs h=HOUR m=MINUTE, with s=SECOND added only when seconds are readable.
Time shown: h=2 m=37 s=2
